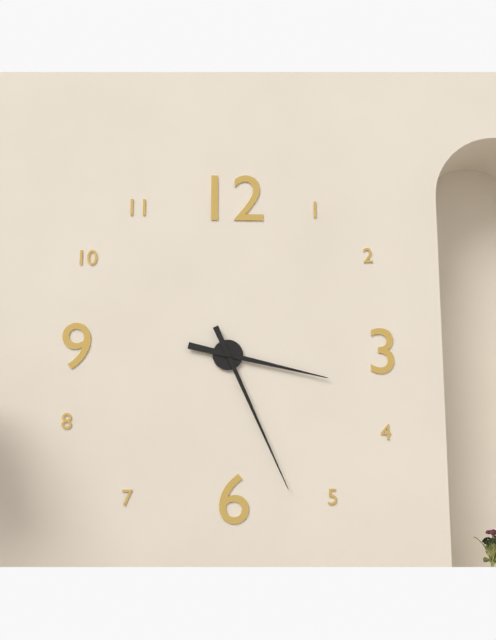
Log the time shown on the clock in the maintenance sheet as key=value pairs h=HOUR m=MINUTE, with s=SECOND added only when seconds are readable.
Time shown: h=3 m=26
